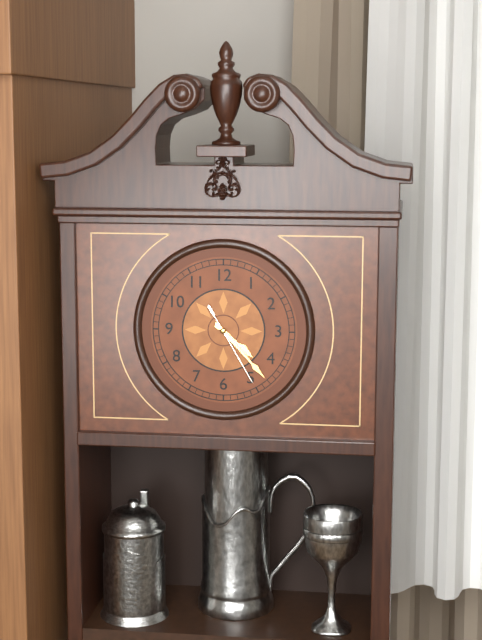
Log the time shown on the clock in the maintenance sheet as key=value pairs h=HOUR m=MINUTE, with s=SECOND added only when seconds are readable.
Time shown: h=4 m=23 s=25
